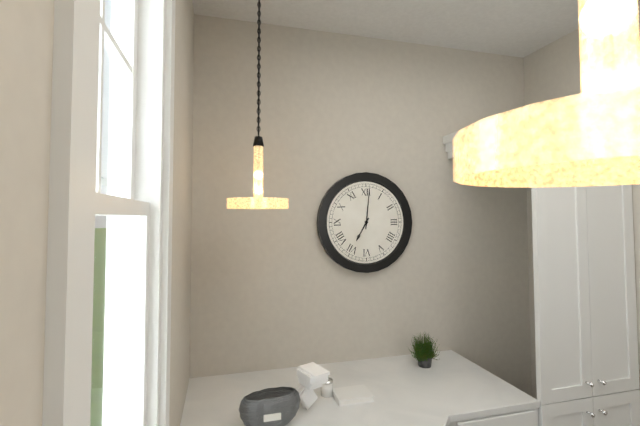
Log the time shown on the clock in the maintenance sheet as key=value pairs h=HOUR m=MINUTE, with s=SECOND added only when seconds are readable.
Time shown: h=7 m=1
